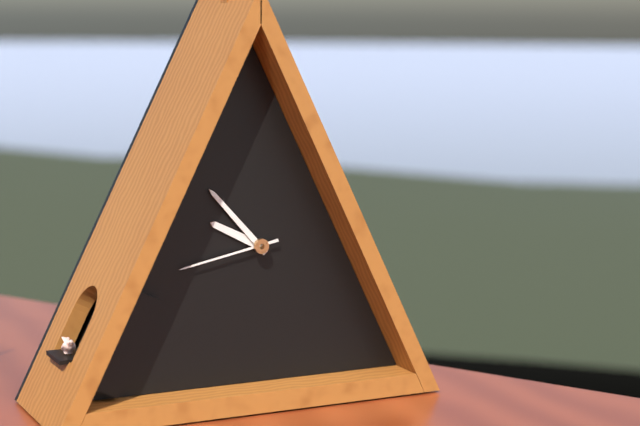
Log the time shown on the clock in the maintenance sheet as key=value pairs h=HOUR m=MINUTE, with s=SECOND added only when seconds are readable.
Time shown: h=9 m=53 s=43
